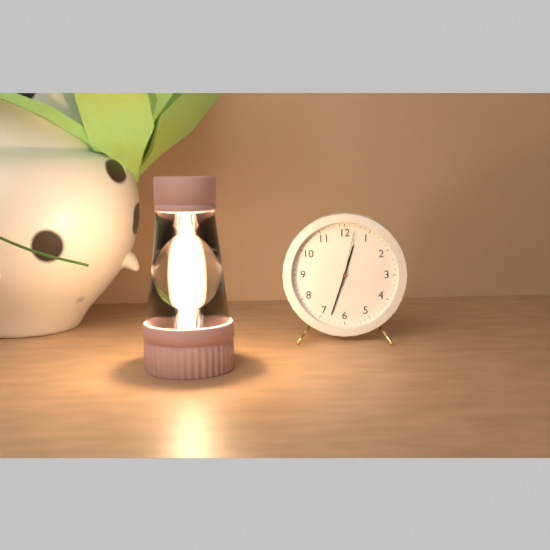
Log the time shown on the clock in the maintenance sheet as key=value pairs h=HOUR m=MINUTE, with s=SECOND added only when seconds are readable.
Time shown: h=12 m=33 s=2
